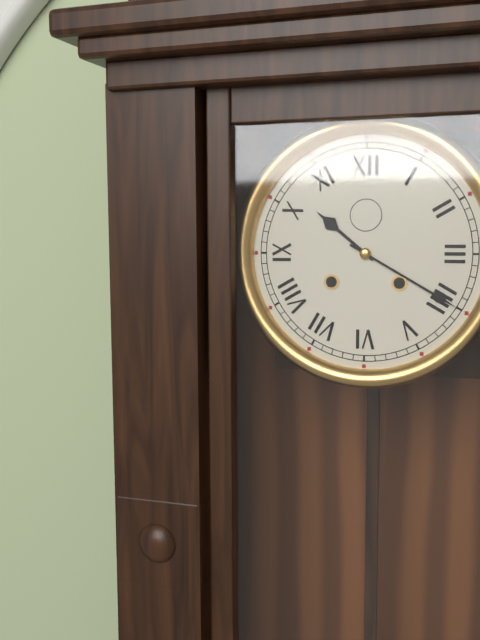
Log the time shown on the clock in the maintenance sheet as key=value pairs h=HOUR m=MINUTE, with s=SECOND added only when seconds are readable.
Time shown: h=10 m=20
